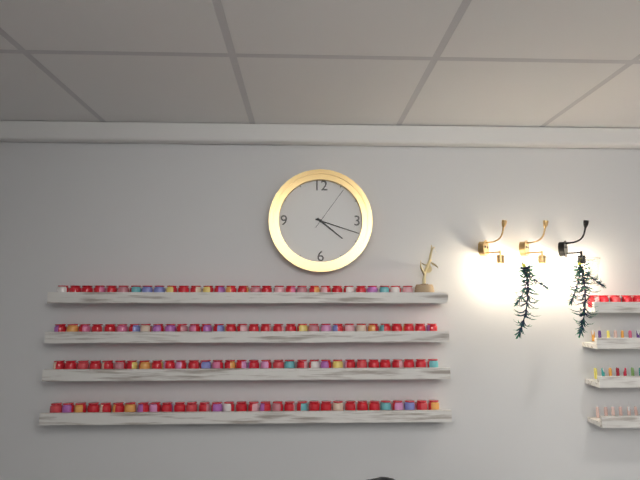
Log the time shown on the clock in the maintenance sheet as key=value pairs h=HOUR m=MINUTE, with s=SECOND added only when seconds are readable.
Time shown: h=4 m=18
